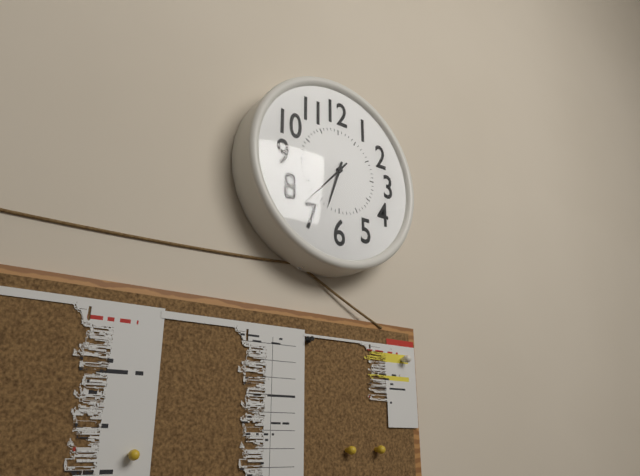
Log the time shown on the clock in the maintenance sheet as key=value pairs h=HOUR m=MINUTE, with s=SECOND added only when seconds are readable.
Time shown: h=6 m=37
